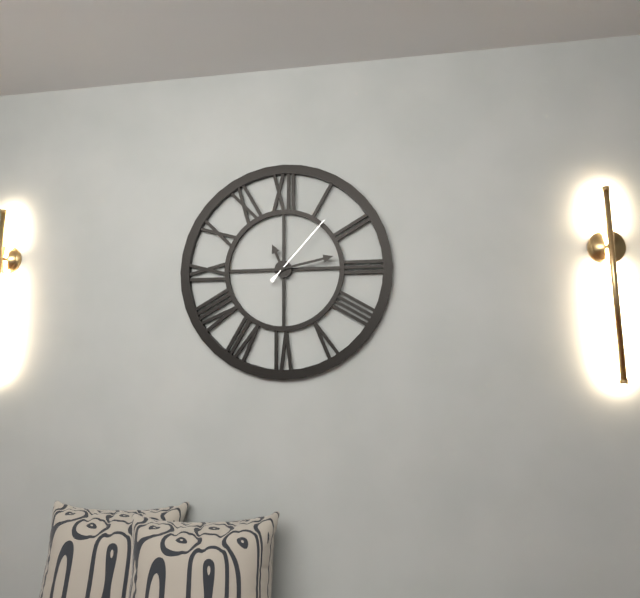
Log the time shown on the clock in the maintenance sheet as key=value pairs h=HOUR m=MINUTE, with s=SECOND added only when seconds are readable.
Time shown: h=11 m=13 s=7
